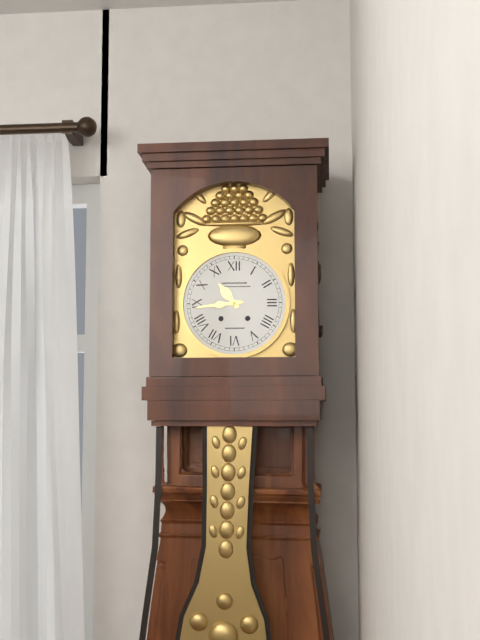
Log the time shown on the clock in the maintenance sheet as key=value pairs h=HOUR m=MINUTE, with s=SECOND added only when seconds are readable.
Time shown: h=10 m=44
